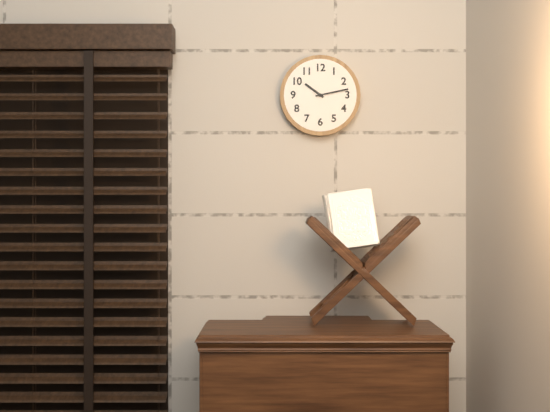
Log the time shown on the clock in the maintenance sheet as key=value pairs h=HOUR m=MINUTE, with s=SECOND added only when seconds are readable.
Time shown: h=10 m=13
